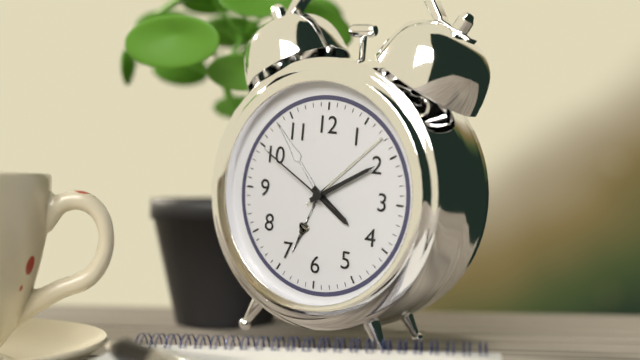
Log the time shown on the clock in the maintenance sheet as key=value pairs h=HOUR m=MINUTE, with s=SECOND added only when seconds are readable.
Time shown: h=4 m=10 s=50
